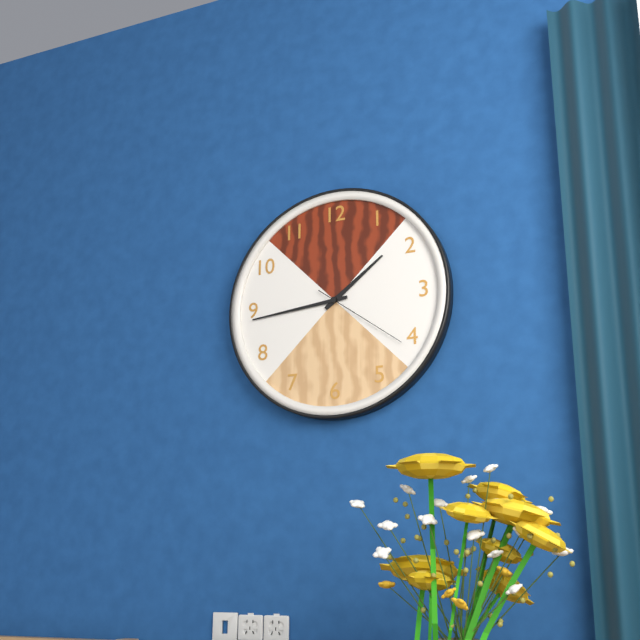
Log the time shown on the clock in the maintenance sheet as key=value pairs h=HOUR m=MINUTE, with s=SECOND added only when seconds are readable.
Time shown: h=1 m=44 s=21
